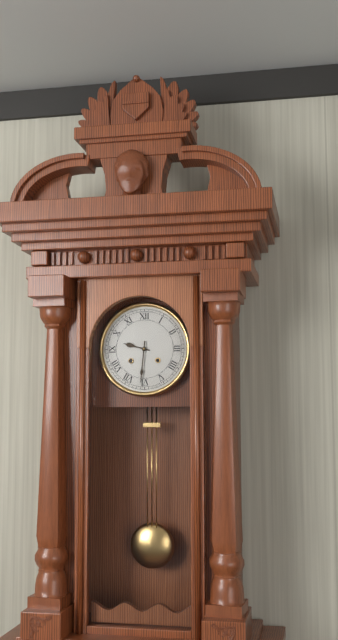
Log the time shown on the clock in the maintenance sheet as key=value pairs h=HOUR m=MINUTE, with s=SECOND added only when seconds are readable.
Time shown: h=9 m=31
